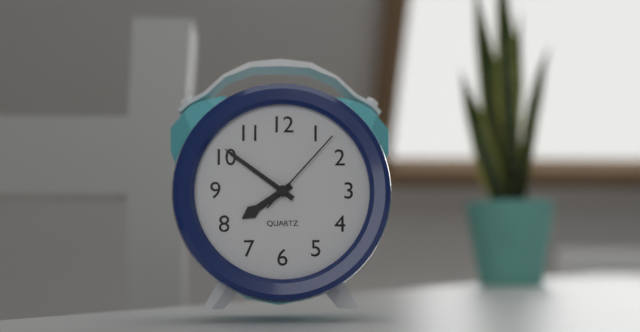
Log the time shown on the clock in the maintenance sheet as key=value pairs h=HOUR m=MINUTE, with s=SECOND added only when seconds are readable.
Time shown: h=7 m=51 s=7
